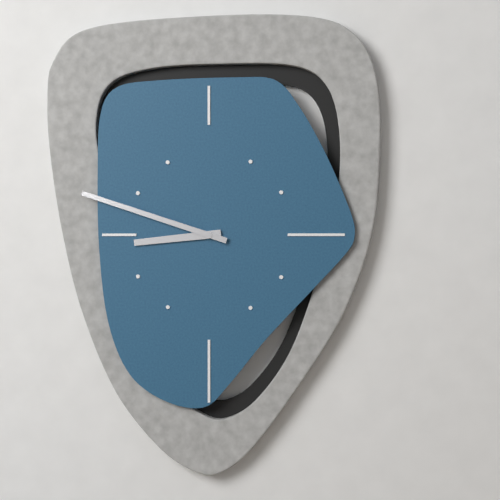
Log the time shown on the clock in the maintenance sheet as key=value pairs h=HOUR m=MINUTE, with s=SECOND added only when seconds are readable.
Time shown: h=8 m=48
